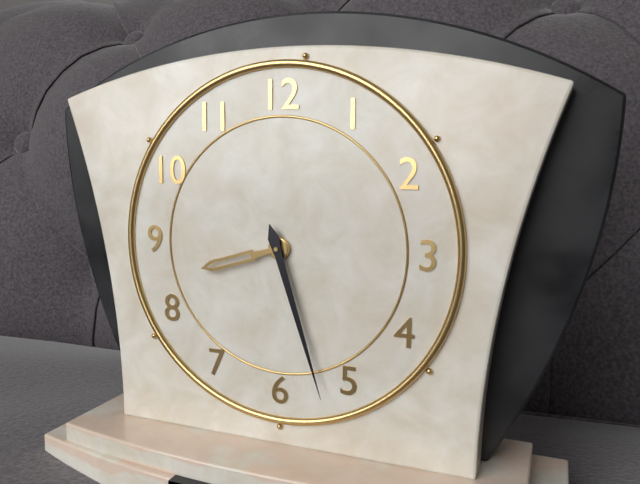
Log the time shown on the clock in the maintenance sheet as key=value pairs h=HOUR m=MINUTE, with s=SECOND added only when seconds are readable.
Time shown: h=8 m=27
